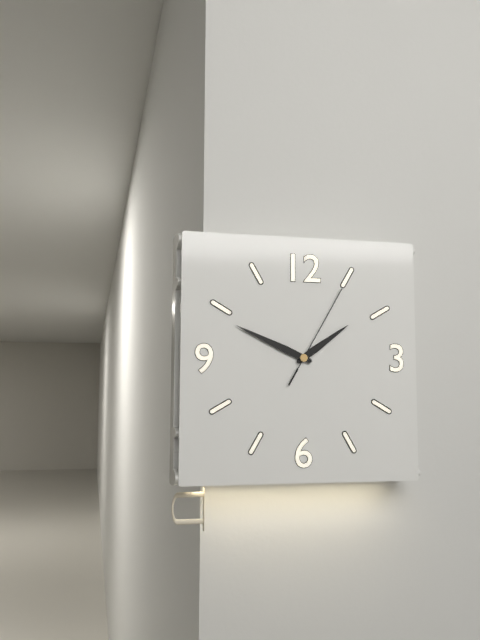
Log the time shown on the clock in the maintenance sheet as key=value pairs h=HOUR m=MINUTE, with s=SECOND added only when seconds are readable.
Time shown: h=1 m=49 s=5
